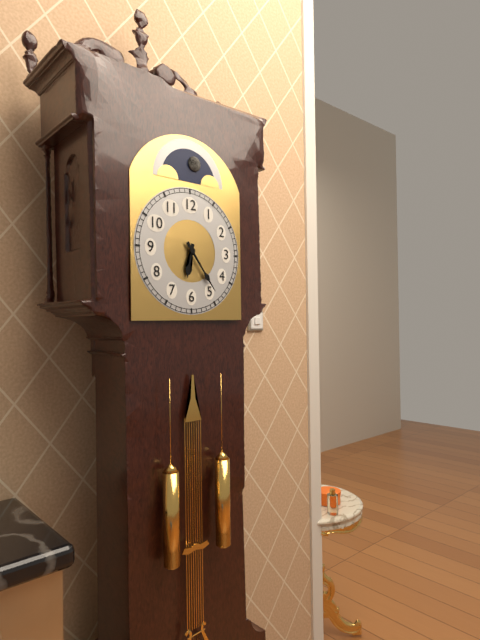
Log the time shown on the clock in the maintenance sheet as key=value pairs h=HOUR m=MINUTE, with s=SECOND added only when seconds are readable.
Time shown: h=6 m=24
